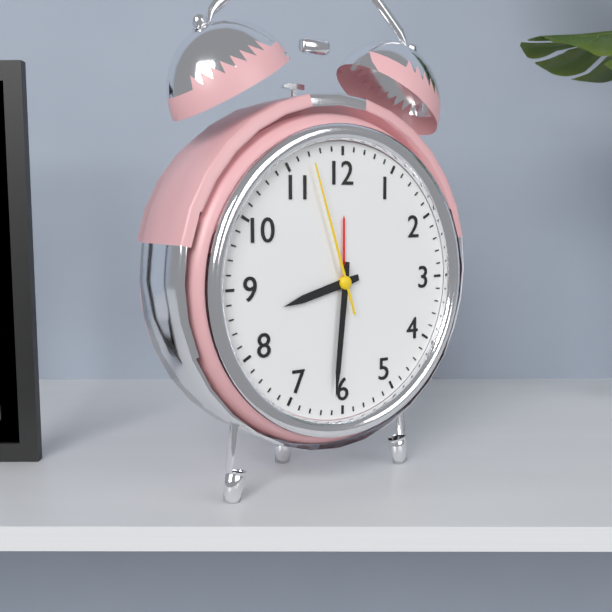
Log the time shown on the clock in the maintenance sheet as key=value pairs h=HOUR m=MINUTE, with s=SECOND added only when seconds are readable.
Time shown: h=8 m=31 s=57
